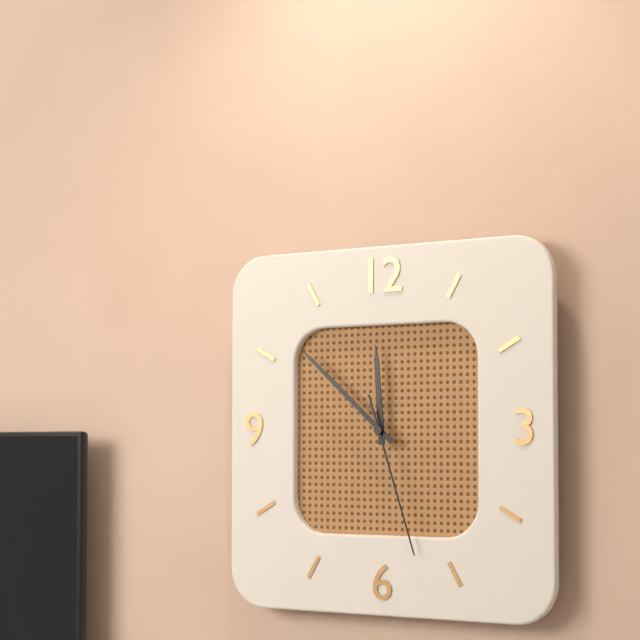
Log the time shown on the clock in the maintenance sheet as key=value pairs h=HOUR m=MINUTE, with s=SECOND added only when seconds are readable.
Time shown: h=11 m=52 s=27
